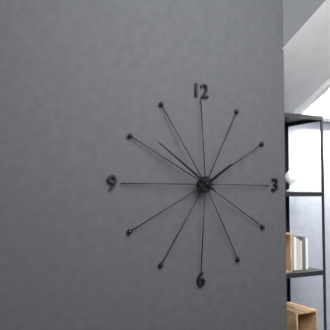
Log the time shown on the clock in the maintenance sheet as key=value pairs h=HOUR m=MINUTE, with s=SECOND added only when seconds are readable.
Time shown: h=1 m=51
